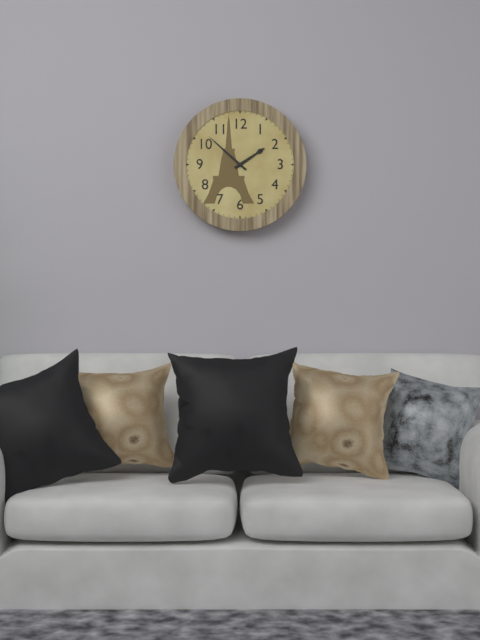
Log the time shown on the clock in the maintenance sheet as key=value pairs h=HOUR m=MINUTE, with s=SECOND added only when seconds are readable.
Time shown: h=1 m=52
